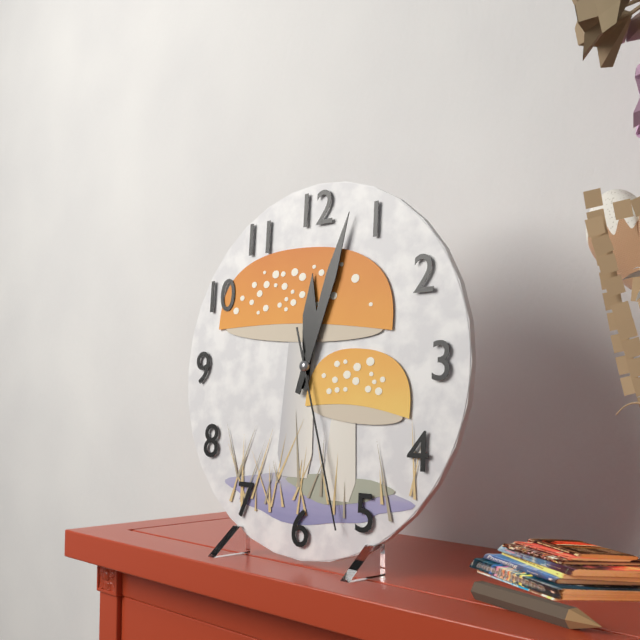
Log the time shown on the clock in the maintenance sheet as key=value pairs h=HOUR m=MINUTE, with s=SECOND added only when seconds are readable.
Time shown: h=12 m=3 s=27
